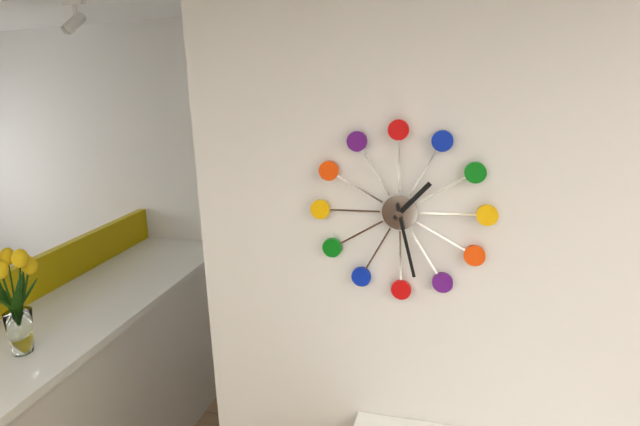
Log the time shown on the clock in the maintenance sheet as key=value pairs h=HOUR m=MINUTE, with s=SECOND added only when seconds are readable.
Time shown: h=1 m=28
